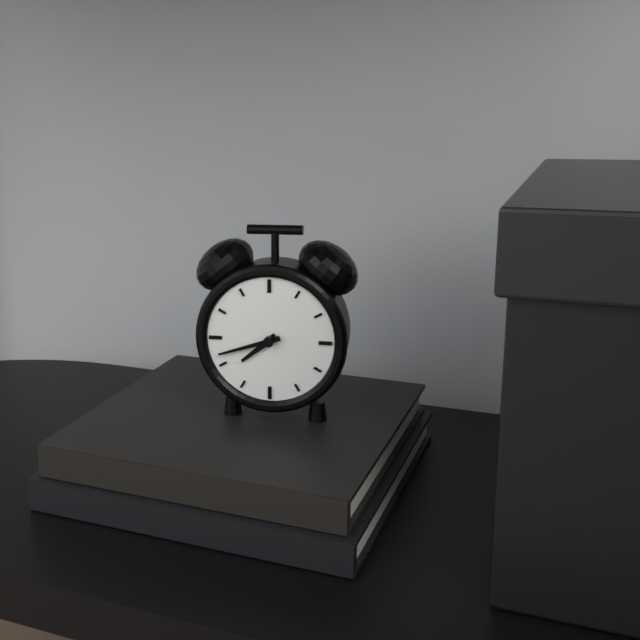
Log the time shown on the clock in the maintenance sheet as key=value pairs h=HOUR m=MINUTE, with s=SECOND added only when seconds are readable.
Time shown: h=7 m=42
